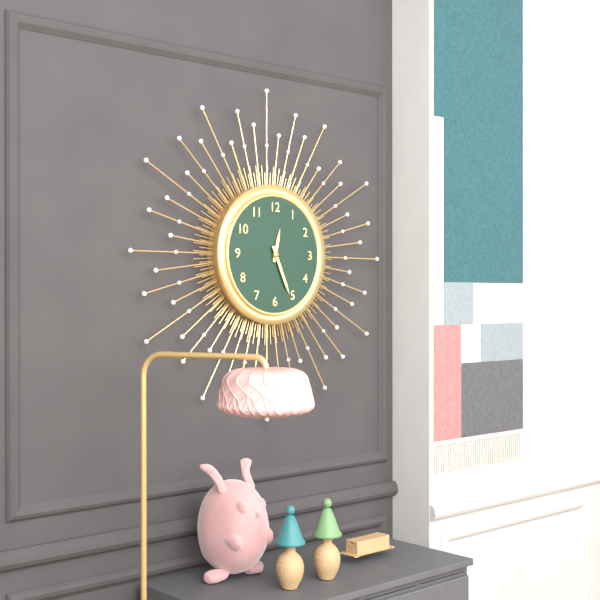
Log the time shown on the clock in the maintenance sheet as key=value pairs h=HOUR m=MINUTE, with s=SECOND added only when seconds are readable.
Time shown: h=12 m=26
